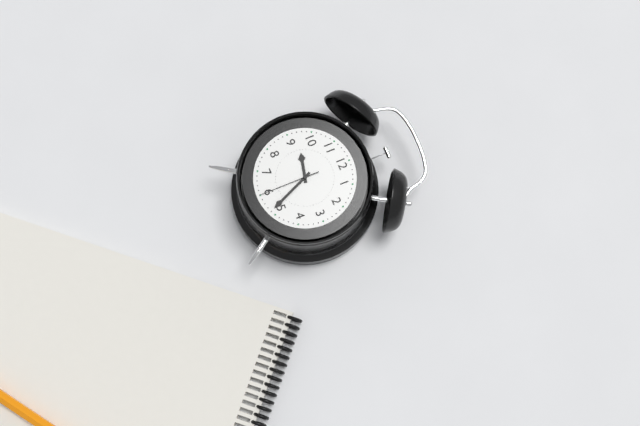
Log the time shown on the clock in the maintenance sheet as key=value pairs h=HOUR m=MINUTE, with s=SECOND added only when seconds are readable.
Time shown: h=9 m=26 s=30
